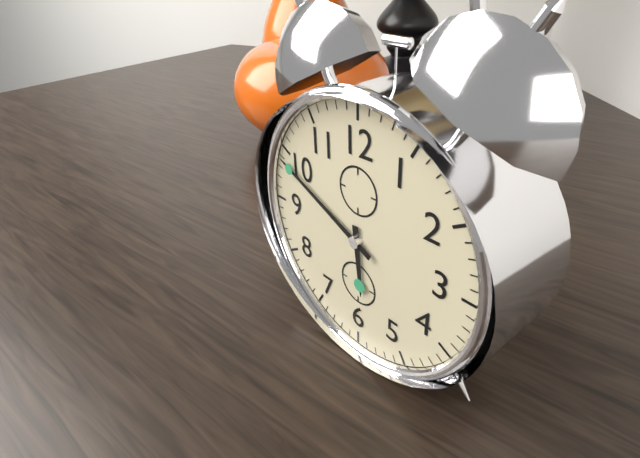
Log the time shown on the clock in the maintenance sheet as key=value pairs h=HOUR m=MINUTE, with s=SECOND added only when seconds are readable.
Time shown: h=5 m=49
